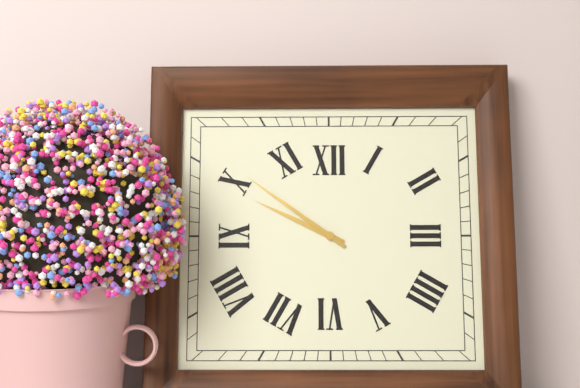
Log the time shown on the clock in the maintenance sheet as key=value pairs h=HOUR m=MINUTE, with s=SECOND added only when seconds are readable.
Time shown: h=9 m=51
